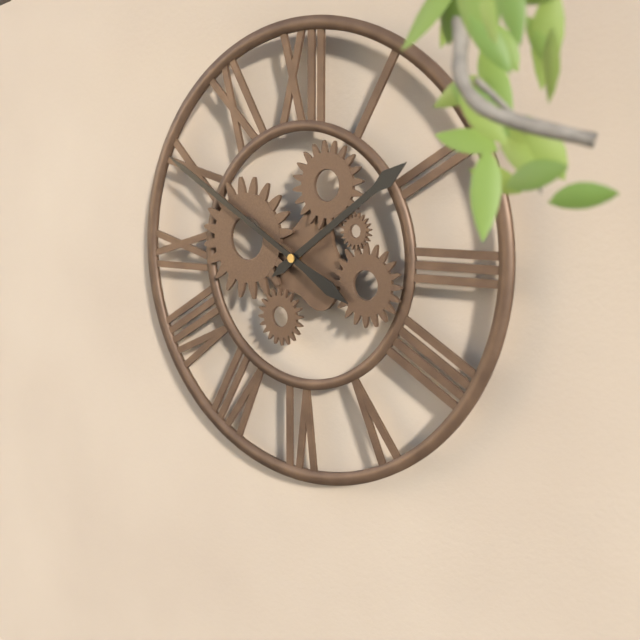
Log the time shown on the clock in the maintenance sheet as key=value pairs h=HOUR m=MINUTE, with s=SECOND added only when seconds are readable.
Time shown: h=1 m=50
